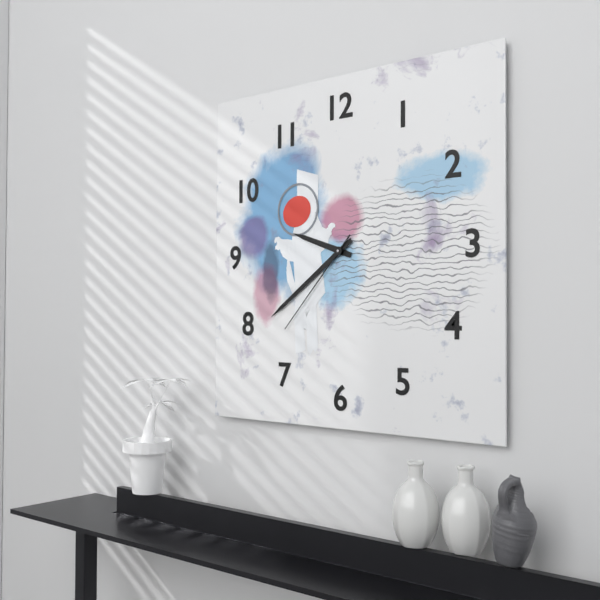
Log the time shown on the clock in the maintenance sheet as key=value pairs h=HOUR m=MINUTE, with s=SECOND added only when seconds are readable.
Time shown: h=9 m=39 s=37
